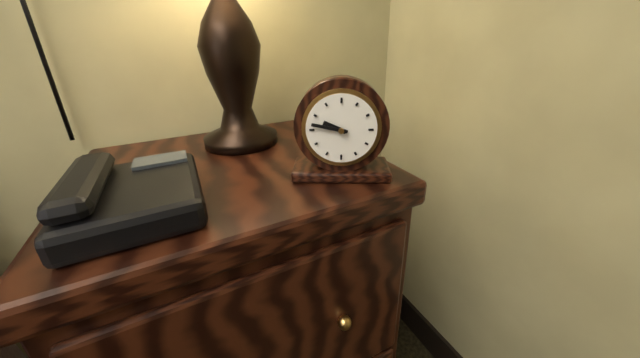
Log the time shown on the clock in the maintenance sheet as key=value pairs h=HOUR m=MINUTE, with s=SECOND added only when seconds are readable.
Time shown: h=9 m=47
